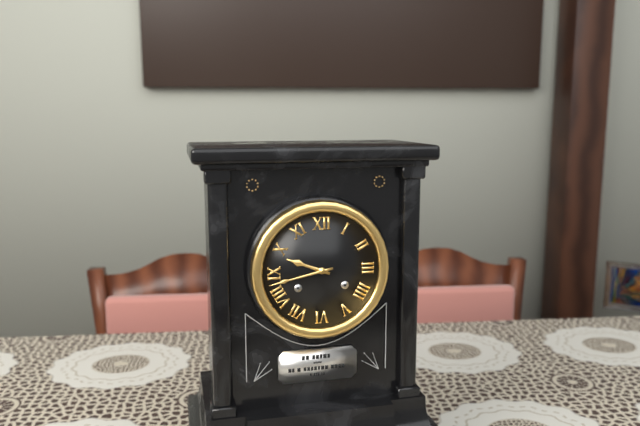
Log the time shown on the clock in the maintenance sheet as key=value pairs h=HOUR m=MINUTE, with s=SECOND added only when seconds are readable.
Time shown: h=9 m=43
